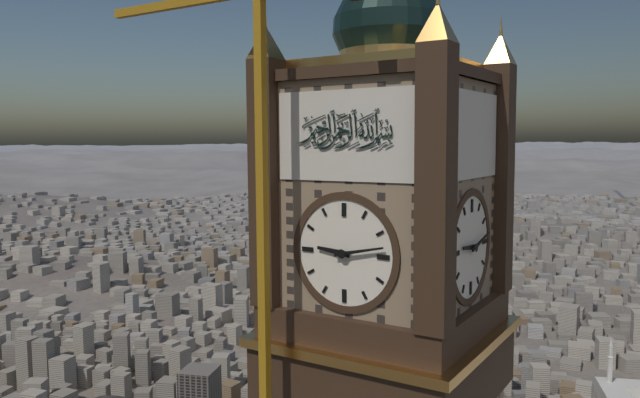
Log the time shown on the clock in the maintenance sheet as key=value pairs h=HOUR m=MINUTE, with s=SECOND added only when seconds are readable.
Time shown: h=9 m=13
